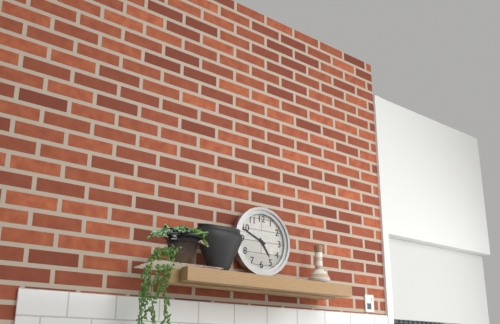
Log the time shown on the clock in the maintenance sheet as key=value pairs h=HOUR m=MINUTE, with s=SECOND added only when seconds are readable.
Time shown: h=4 m=49
